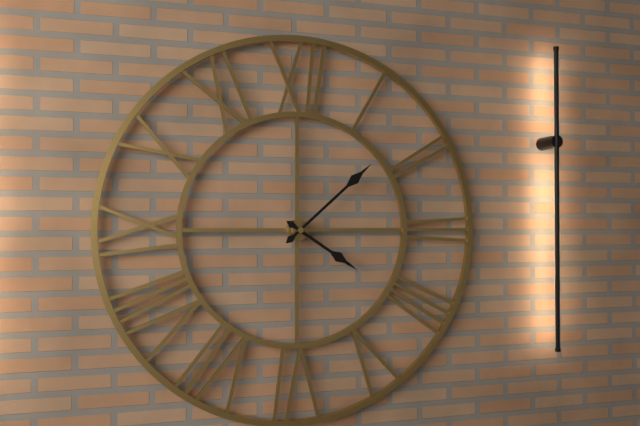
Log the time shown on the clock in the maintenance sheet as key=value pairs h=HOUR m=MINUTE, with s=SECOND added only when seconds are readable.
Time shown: h=4 m=8
